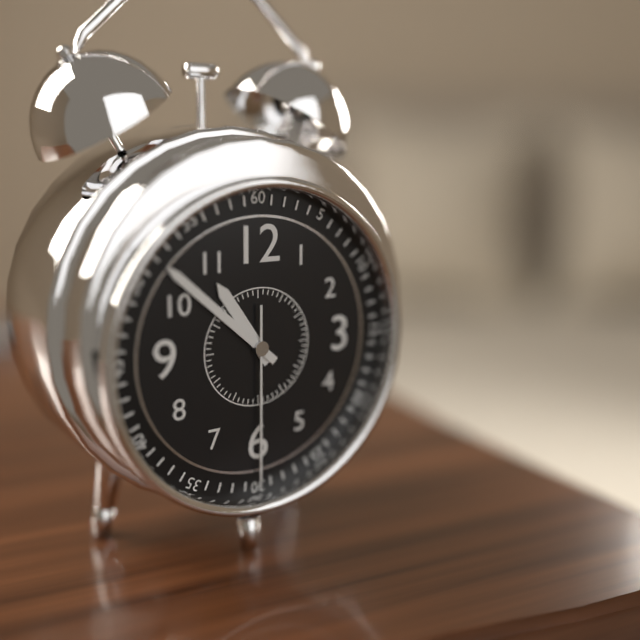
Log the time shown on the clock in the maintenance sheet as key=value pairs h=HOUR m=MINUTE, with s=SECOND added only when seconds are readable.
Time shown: h=10 m=52 s=30
